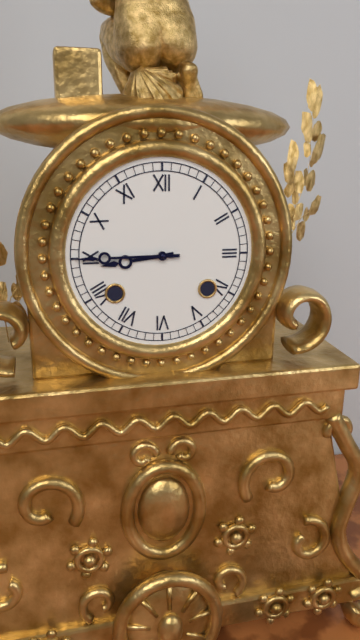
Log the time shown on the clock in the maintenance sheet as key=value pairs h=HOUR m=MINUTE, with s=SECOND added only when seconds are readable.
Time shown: h=8 m=45
